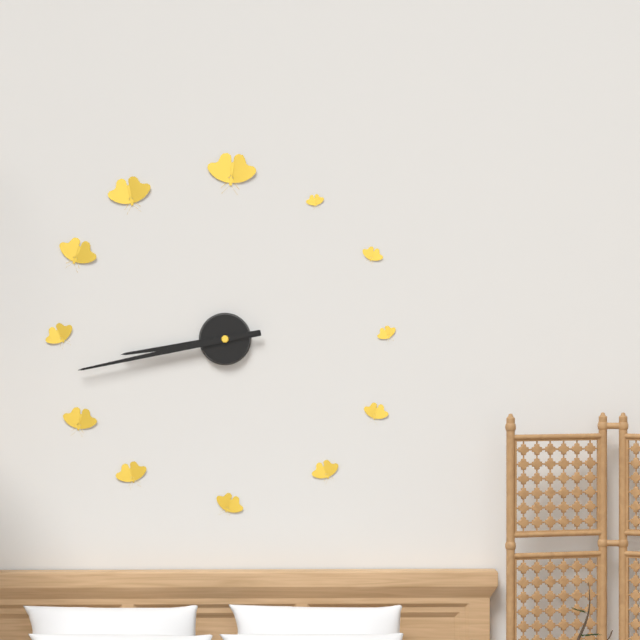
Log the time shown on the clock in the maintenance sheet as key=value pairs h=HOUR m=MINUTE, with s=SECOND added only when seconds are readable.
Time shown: h=8 m=43
